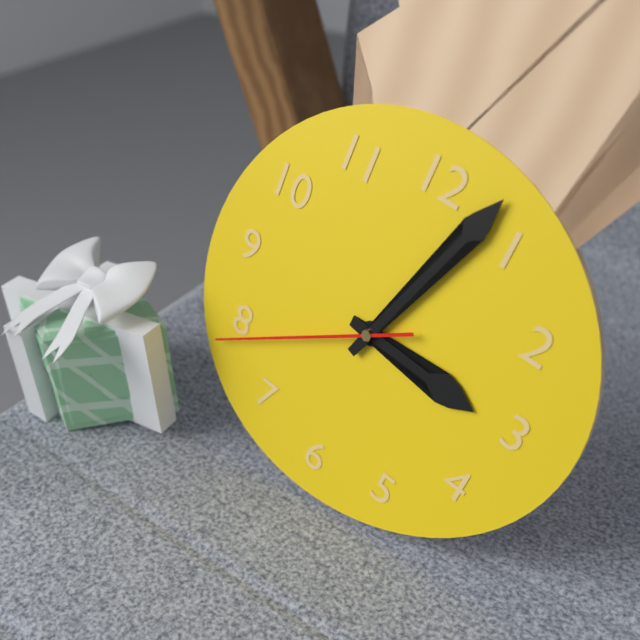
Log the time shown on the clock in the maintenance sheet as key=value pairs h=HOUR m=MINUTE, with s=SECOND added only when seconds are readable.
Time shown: h=3 m=3 s=39
